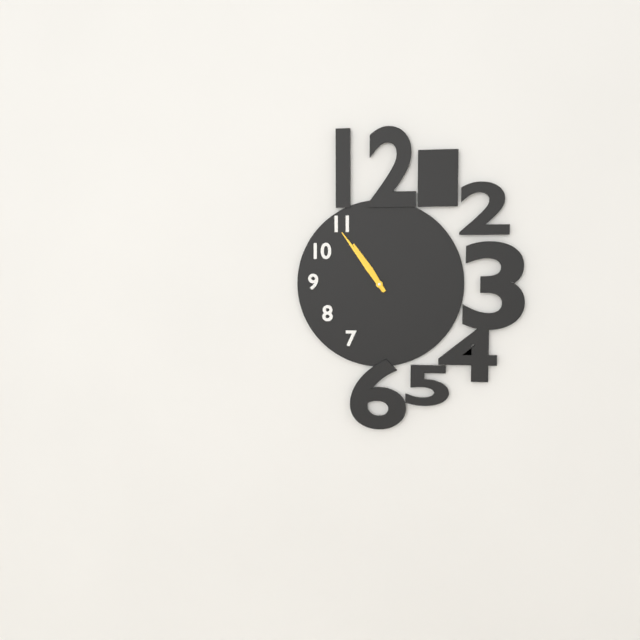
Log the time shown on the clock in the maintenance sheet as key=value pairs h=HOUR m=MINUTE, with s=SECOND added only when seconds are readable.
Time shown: h=10 m=54
